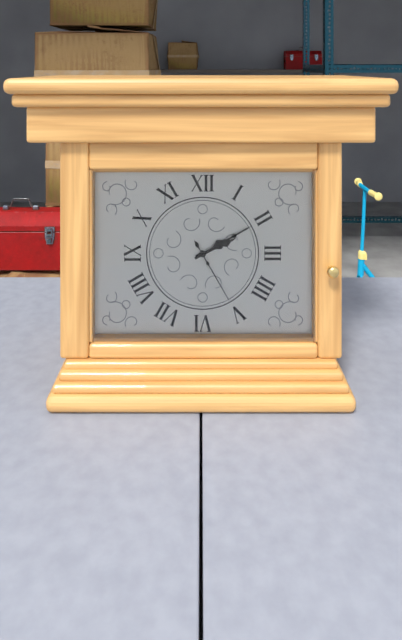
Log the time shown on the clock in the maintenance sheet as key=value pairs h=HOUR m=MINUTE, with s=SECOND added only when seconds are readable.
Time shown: h=2 m=10 s=25
